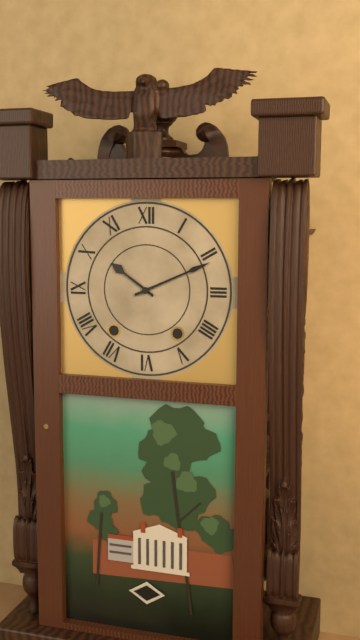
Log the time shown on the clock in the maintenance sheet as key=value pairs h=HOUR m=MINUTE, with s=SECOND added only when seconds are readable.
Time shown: h=10 m=11
